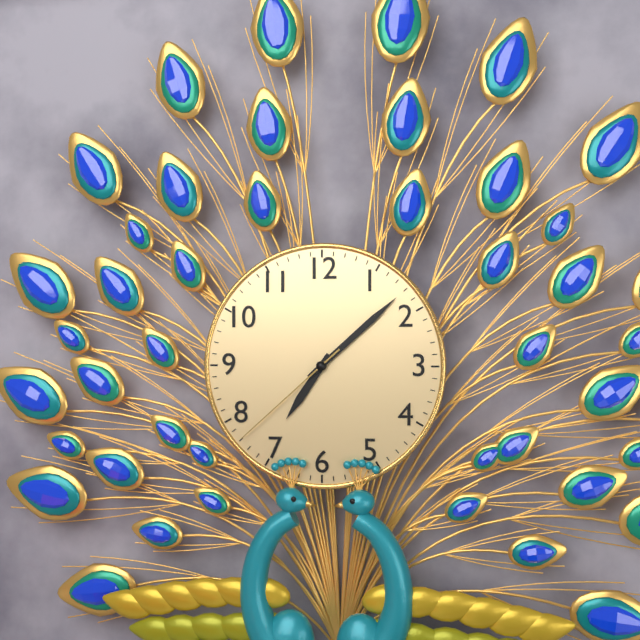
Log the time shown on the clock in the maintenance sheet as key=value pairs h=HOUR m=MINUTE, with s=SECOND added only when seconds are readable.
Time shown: h=7 m=8 s=38
